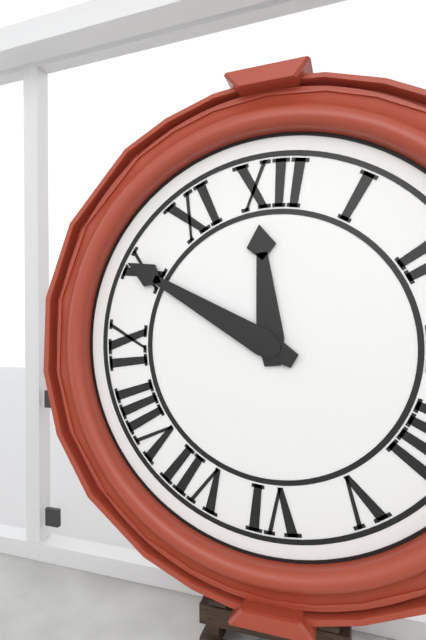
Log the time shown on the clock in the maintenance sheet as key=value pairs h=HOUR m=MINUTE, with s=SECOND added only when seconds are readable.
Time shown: h=11 m=50
